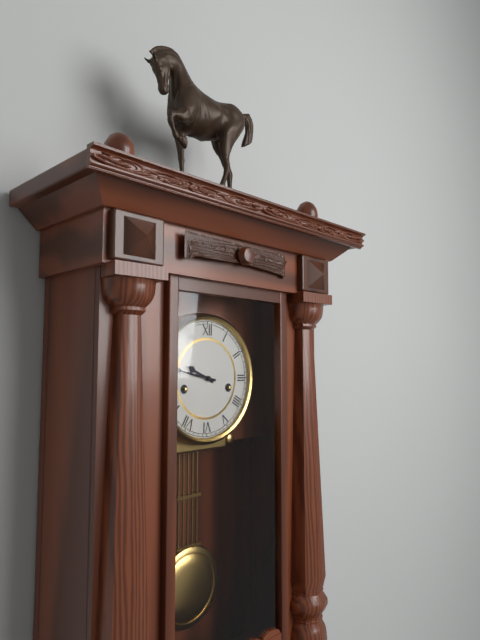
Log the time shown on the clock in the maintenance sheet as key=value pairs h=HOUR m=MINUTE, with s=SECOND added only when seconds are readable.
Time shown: h=9 m=47
